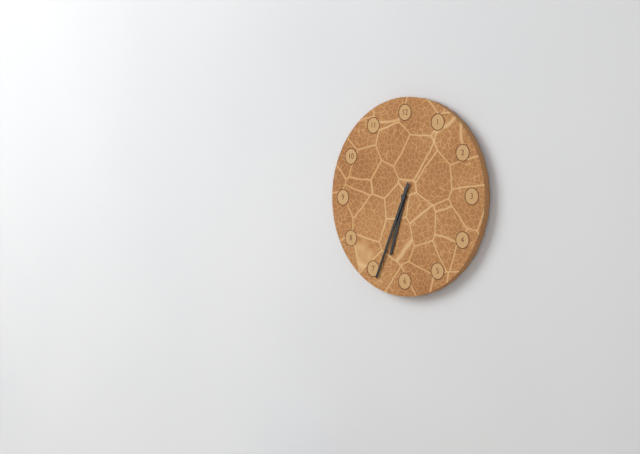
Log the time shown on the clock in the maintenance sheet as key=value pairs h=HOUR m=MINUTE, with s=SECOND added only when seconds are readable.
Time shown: h=6 m=34
